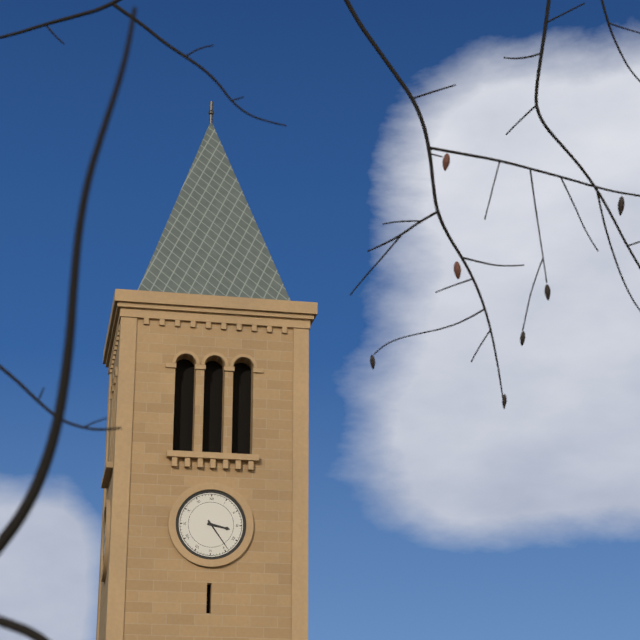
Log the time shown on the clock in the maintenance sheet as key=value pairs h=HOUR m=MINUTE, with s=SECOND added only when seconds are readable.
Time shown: h=3 m=24
